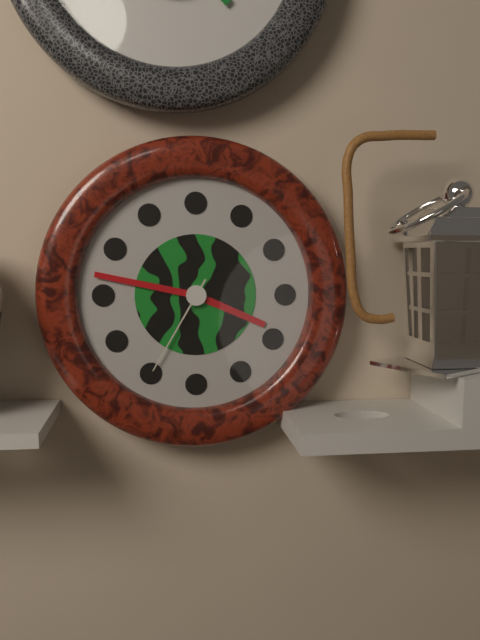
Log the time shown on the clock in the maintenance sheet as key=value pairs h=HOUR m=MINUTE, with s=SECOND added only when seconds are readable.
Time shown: h=3 m=47 s=35
